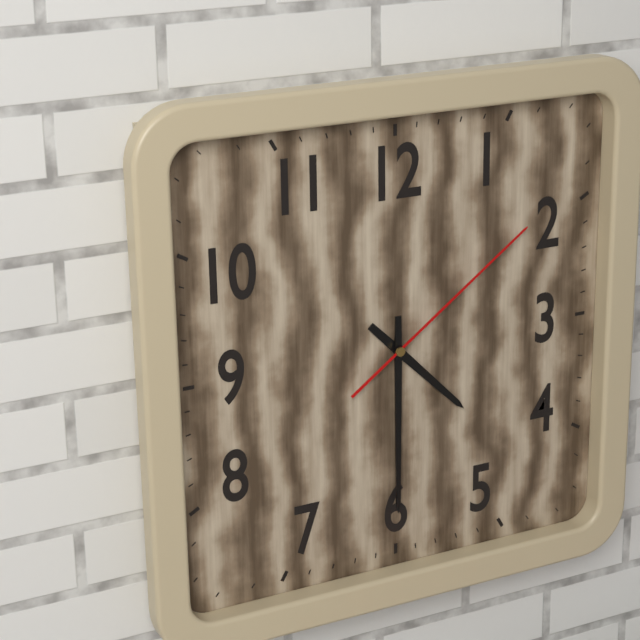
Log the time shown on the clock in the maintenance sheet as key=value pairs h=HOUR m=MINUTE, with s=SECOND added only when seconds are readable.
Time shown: h=4 m=30 s=9
